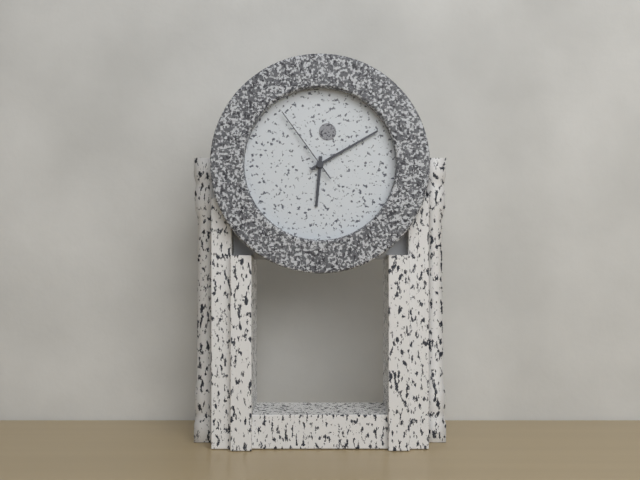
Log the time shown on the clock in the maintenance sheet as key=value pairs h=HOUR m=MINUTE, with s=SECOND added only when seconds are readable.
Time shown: h=6 m=10 s=54
